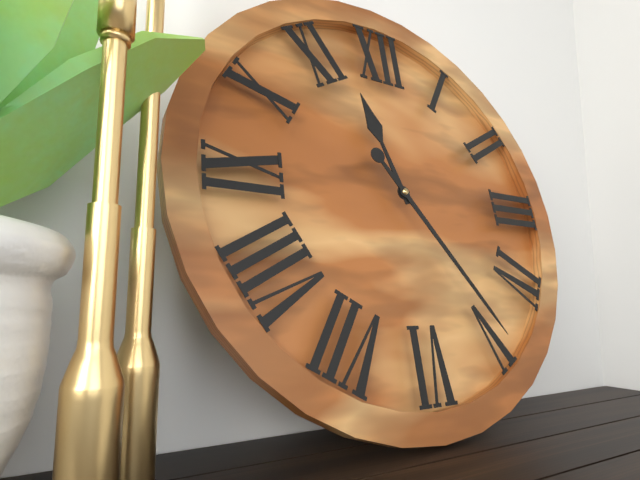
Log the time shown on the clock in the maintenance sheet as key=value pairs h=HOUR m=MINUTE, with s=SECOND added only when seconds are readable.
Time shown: h=11 m=24
